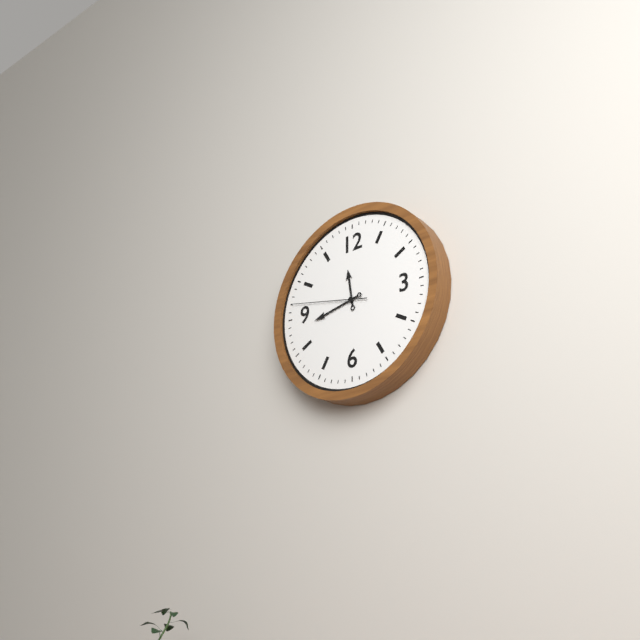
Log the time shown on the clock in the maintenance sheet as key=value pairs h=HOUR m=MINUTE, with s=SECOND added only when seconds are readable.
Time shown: h=11 m=43 s=47
